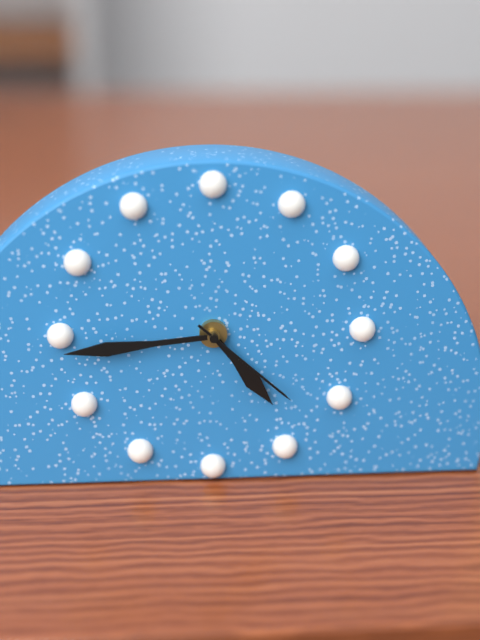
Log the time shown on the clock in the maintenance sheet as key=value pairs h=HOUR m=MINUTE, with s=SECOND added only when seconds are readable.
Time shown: h=4 m=44 s=22
